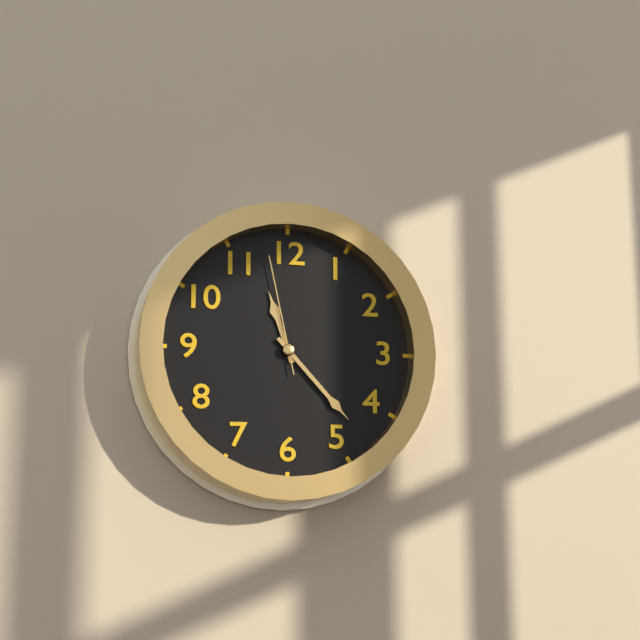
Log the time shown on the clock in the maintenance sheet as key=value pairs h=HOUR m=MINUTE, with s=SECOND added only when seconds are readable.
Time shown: h=11 m=23 s=58
